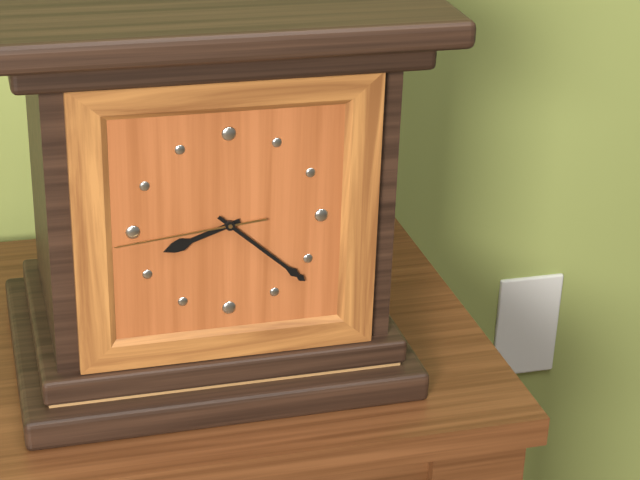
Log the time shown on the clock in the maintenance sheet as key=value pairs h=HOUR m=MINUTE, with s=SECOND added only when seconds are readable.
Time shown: h=8 m=22 s=44
